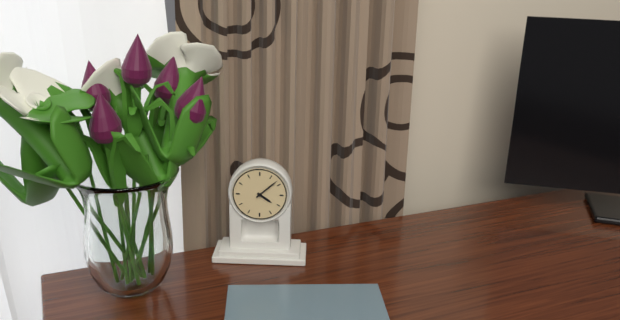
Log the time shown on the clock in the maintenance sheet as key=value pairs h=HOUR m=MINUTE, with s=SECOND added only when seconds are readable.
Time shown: h=4 m=8
